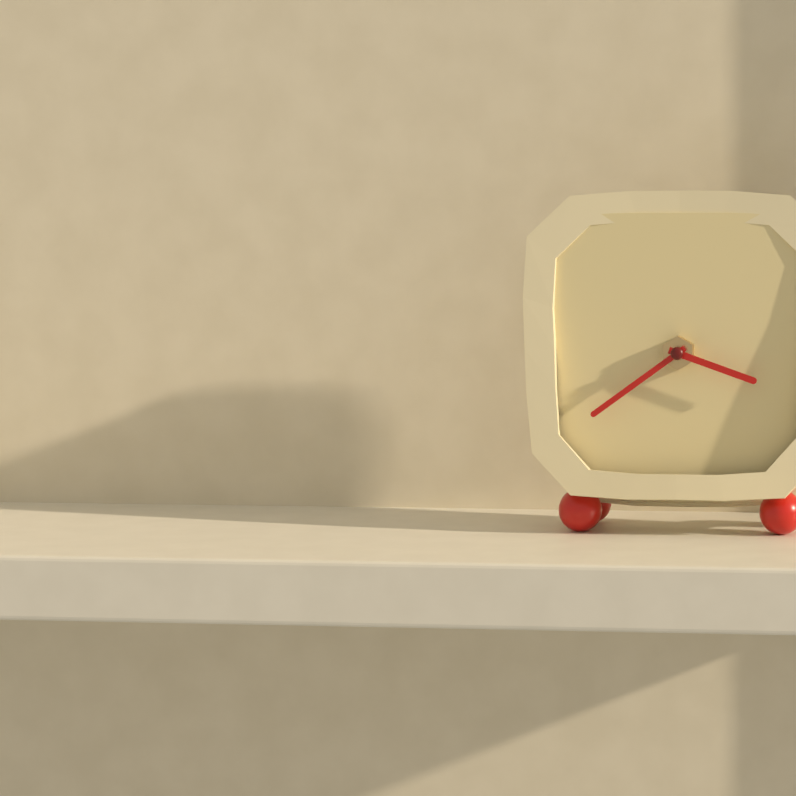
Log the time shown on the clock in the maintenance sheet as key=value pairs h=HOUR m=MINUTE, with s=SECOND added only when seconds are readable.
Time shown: h=3 m=39
